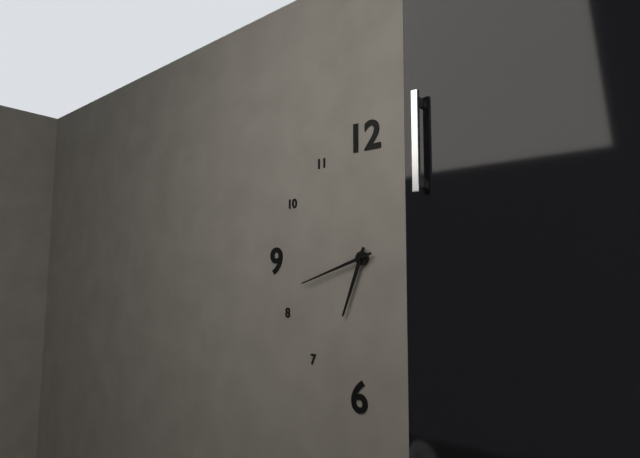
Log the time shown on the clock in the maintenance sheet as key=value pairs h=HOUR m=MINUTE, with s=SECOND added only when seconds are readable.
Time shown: h=6 m=42
